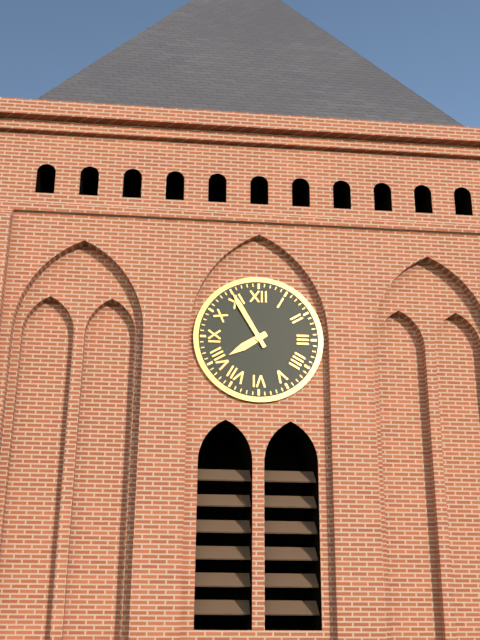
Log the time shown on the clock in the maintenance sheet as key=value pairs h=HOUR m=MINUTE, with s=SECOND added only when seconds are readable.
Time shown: h=7 m=55
